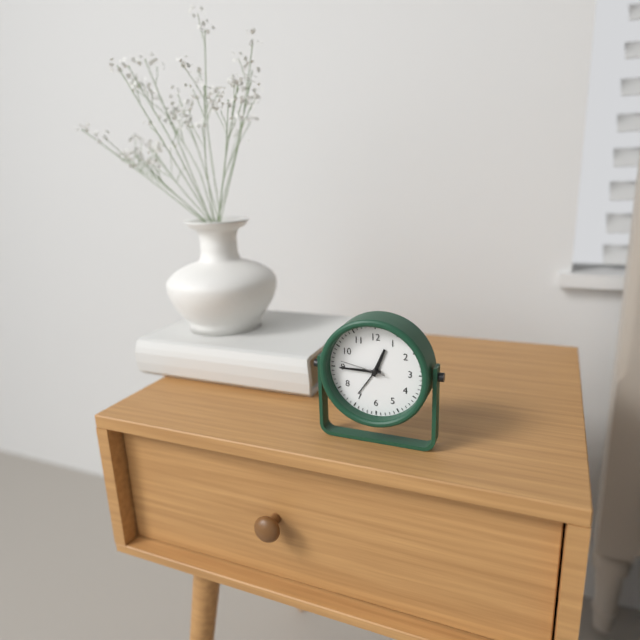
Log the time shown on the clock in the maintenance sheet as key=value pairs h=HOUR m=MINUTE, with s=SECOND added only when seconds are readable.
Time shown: h=12 m=45
